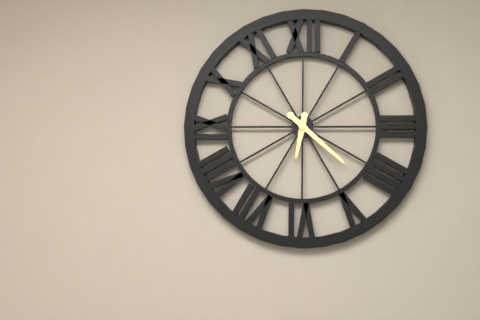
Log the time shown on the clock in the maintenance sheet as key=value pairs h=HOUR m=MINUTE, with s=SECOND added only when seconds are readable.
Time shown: h=6 m=22
